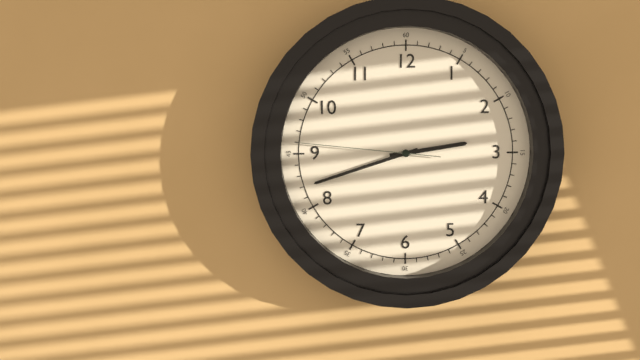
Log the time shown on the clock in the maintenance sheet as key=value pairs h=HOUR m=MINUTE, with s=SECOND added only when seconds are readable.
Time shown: h=2 m=42 s=46
